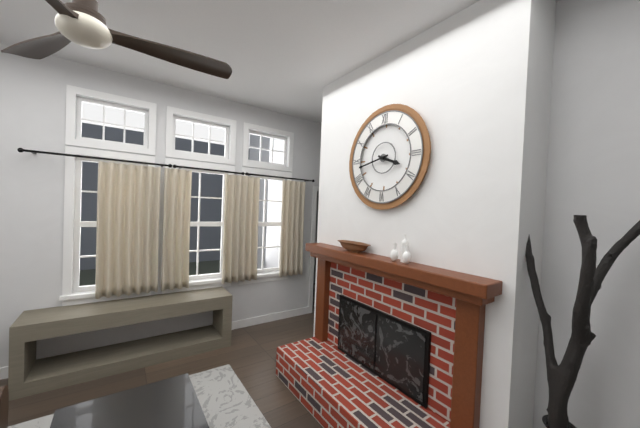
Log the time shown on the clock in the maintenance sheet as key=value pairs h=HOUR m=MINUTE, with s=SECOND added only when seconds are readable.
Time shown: h=3 m=43
